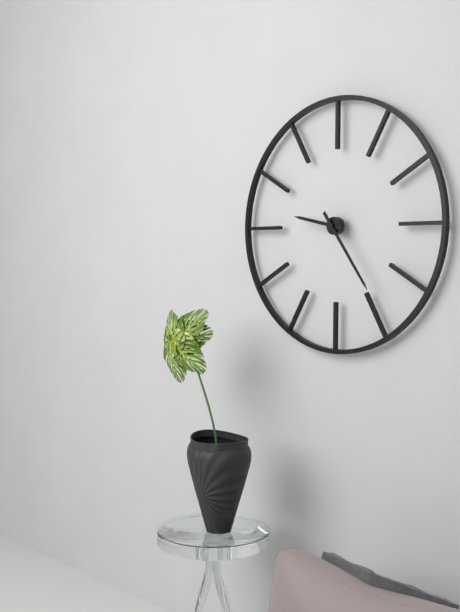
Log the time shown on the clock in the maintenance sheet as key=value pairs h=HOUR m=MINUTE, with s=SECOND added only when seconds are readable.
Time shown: h=9 m=24
